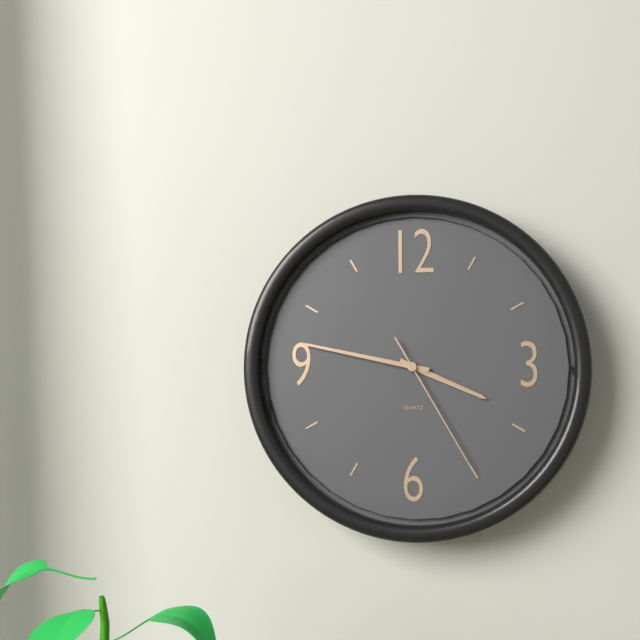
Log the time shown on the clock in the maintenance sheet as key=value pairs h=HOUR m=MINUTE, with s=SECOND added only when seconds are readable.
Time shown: h=3 m=47 s=25
